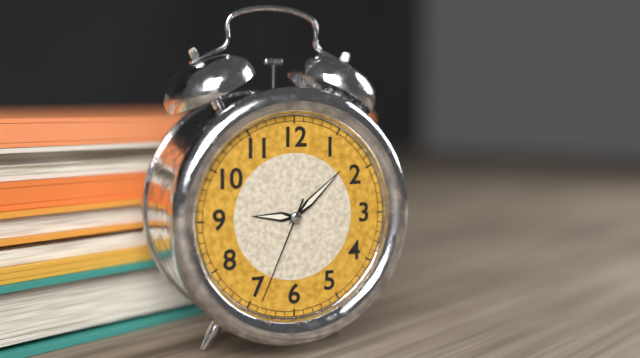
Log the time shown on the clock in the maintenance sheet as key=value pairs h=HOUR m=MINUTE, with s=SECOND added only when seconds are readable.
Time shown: h=9 m=8 s=34
